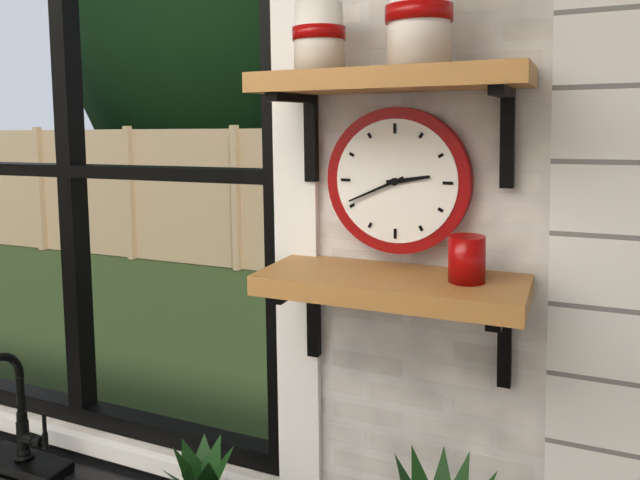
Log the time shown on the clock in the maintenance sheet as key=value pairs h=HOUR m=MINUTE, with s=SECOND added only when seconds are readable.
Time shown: h=2 m=41
